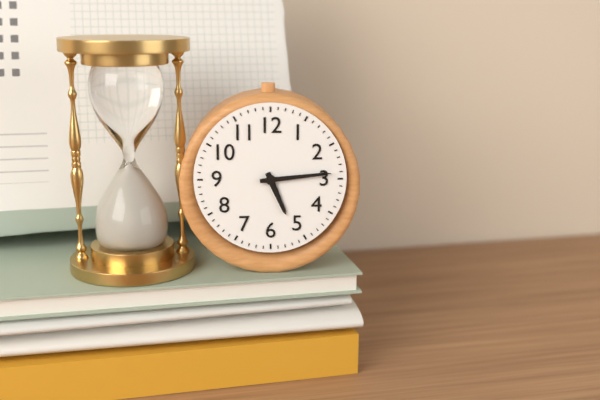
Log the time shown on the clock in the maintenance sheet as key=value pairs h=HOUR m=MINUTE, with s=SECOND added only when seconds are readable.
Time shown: h=5 m=14
